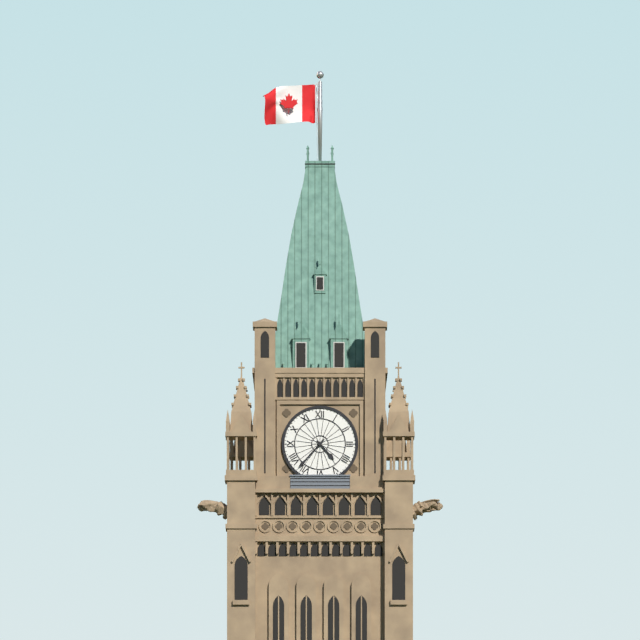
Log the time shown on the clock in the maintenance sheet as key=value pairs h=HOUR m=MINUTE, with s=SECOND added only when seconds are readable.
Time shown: h=4 m=37
